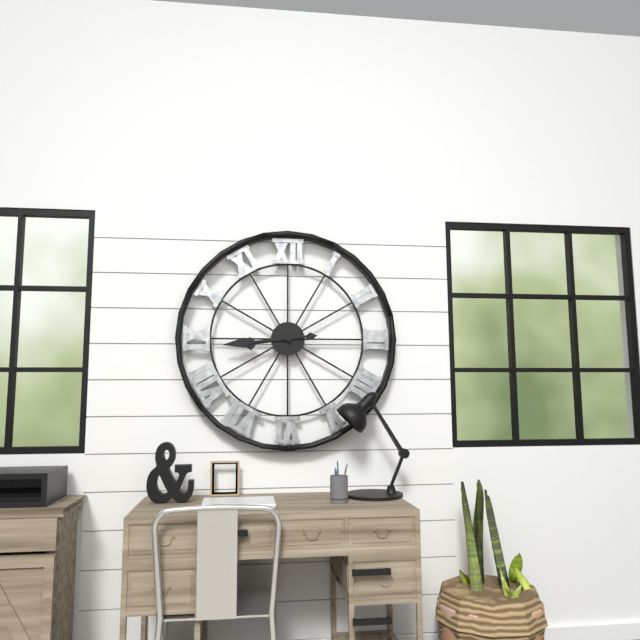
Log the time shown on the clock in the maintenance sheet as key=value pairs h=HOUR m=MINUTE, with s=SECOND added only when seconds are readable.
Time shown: h=8 m=44
